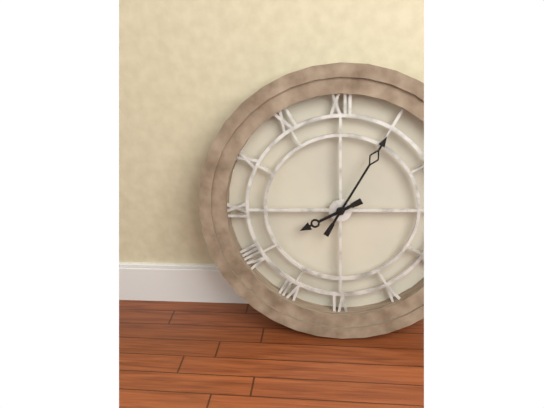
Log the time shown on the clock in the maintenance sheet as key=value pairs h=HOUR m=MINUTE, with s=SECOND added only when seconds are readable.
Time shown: h=8 m=5
